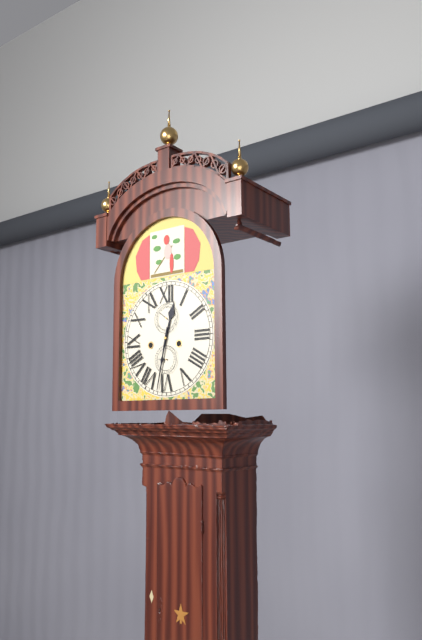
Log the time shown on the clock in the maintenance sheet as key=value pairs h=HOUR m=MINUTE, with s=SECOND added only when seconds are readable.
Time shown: h=12 m=32
